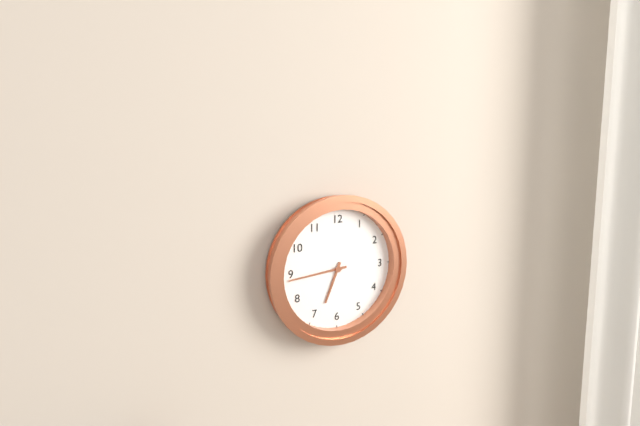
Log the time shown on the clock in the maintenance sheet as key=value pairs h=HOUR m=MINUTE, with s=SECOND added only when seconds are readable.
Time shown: h=6 m=44
